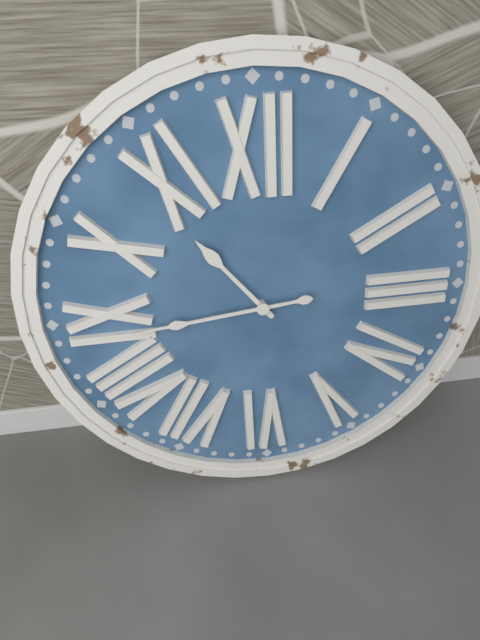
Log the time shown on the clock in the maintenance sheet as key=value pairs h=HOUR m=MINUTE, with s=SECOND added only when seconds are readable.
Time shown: h=10 m=44
